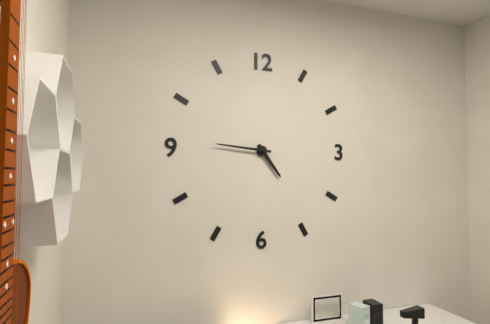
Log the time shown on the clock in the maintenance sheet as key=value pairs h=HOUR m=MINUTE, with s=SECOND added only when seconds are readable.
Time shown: h=4 m=46
